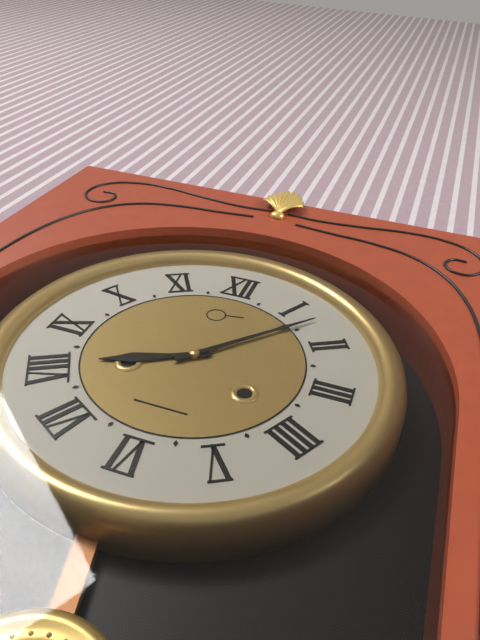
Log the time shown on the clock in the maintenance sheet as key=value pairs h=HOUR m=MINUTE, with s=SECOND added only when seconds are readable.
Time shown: h=8 m=7
